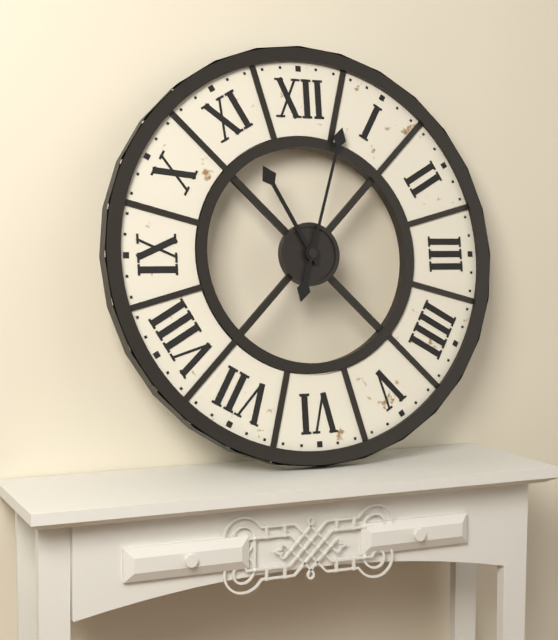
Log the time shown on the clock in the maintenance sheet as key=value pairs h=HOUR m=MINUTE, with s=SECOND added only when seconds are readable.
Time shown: h=11 m=3
